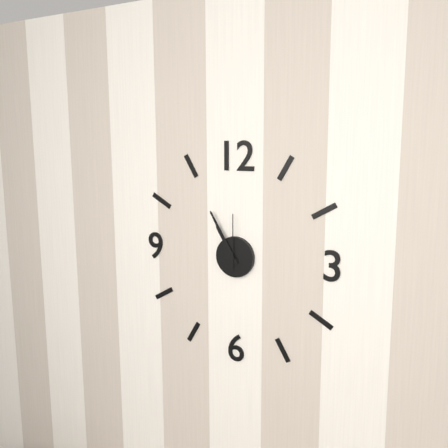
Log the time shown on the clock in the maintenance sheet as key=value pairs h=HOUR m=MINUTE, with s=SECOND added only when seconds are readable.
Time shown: h=10 m=55 s=0
